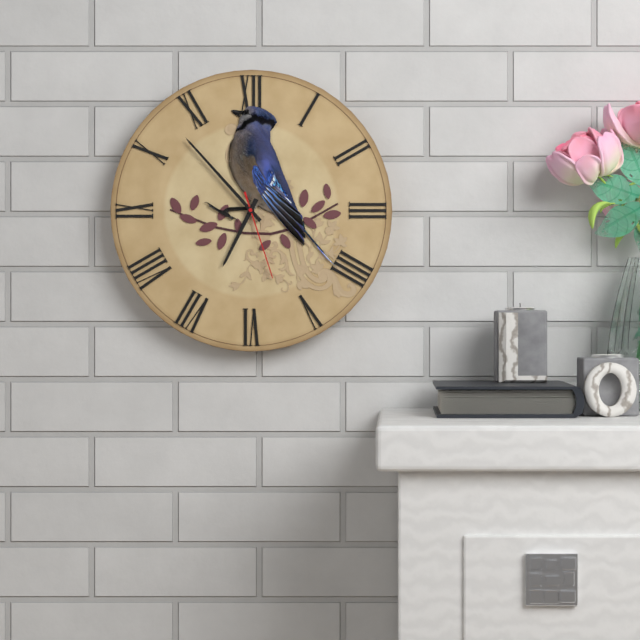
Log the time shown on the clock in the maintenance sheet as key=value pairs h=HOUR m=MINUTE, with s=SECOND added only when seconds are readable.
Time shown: h=6 m=53 s=27
